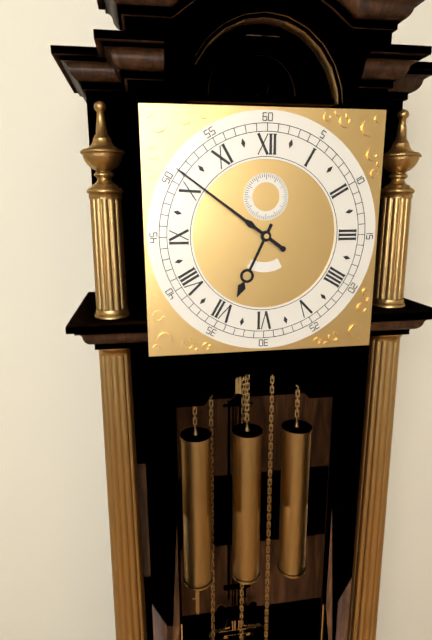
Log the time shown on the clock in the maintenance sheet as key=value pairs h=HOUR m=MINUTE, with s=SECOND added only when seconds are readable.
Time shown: h=6 m=51
